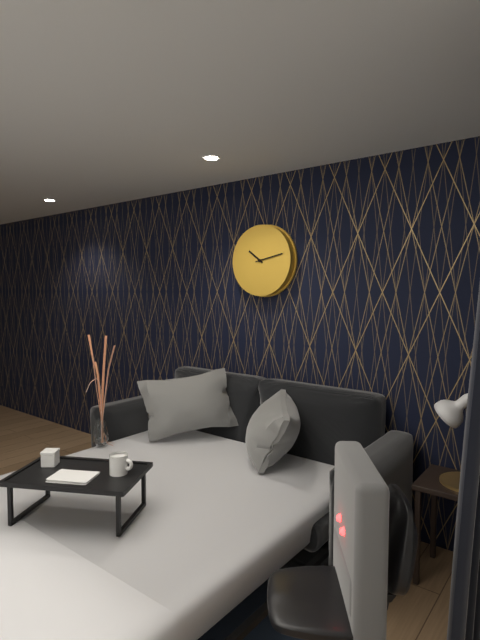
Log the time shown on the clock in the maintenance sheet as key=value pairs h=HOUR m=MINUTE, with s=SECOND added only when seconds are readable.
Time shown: h=10 m=13
